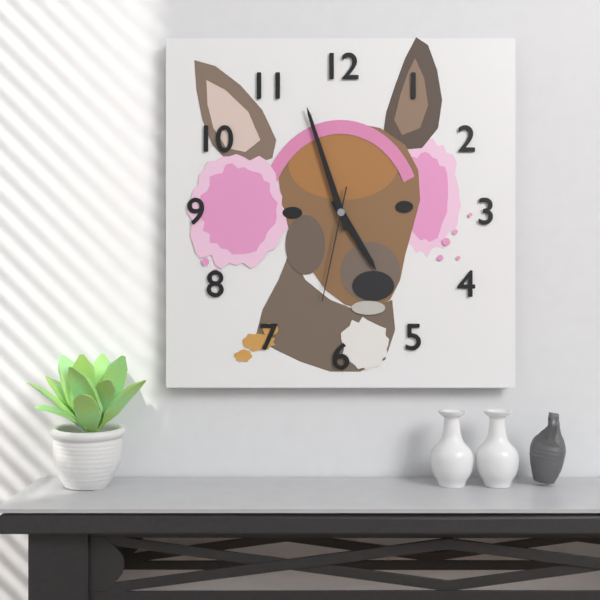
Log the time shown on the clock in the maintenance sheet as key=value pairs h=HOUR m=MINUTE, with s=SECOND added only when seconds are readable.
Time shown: h=4 m=57 s=32
